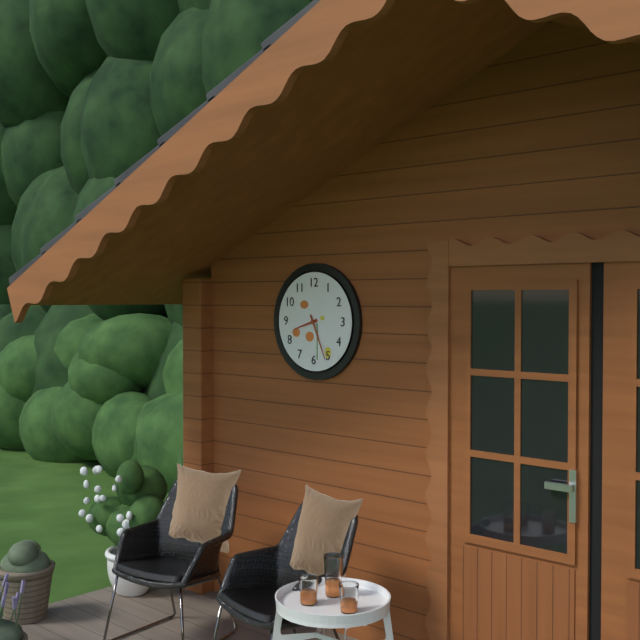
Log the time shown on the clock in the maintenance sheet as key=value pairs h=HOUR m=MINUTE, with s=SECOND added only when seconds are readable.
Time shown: h=8 m=26
